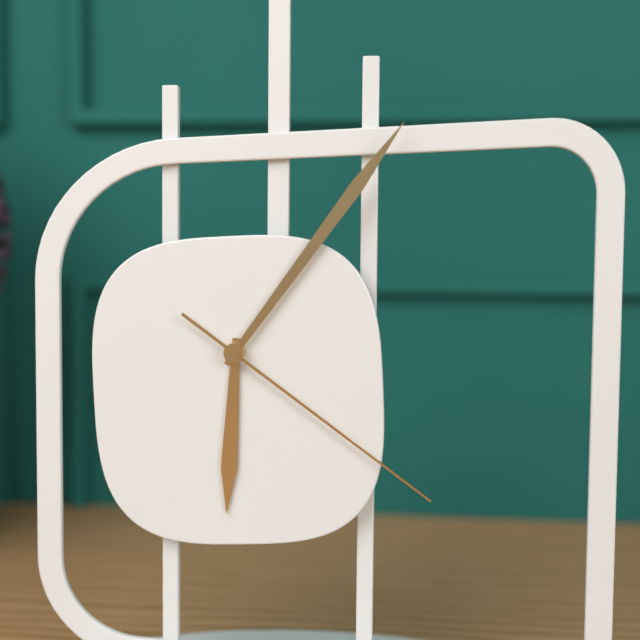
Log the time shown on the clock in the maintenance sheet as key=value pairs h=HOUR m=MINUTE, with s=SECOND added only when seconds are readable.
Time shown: h=6 m=6 s=21
